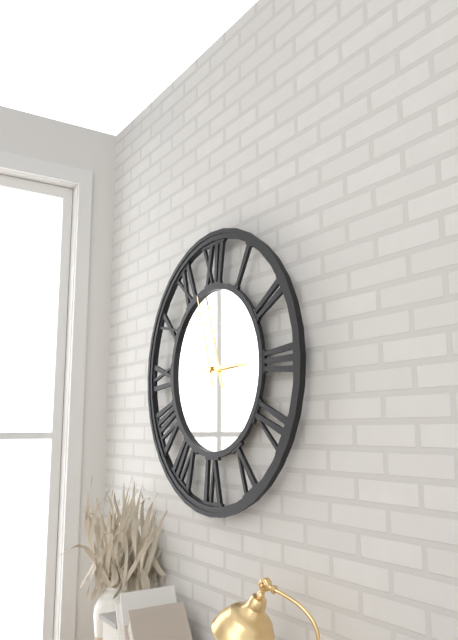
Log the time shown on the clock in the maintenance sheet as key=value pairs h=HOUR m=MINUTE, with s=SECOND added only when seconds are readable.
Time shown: h=2 m=57
